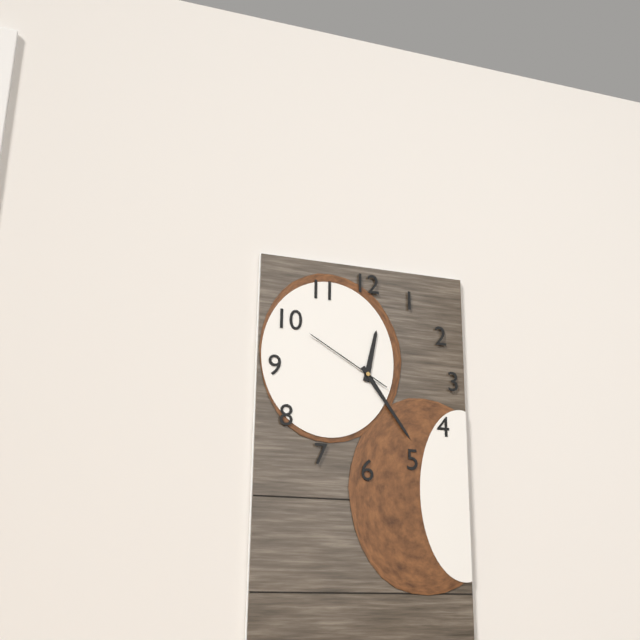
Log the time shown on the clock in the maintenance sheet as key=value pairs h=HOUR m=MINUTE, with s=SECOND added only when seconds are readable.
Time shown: h=12 m=24 s=50
